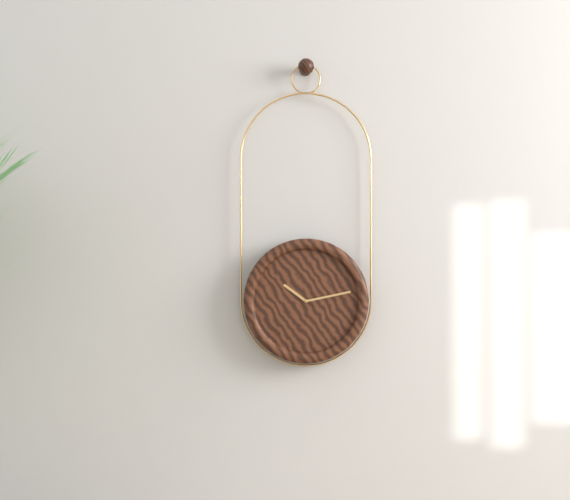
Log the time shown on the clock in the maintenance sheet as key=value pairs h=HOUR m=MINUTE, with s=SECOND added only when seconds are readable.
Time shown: h=10 m=13
